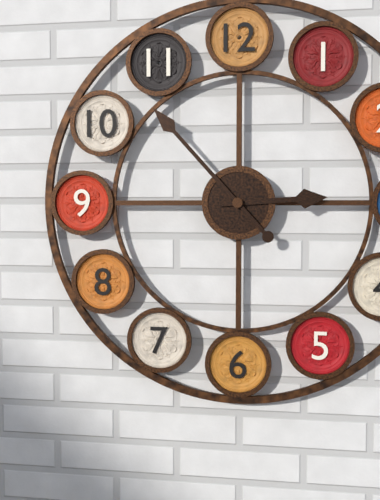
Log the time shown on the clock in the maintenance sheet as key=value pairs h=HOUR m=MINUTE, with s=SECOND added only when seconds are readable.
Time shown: h=2 m=53
